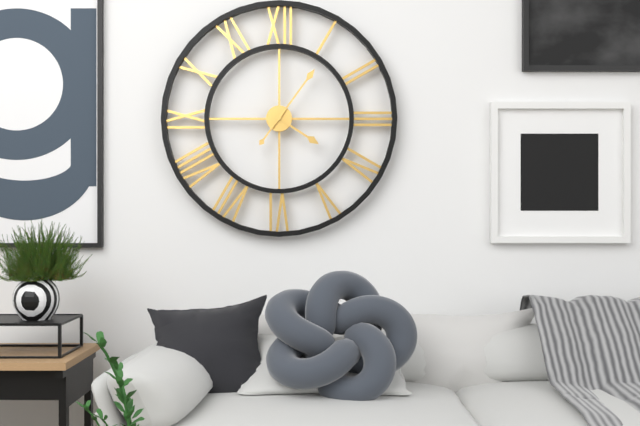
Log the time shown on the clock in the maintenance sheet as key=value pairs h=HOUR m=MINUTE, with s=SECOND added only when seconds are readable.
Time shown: h=4 m=6
